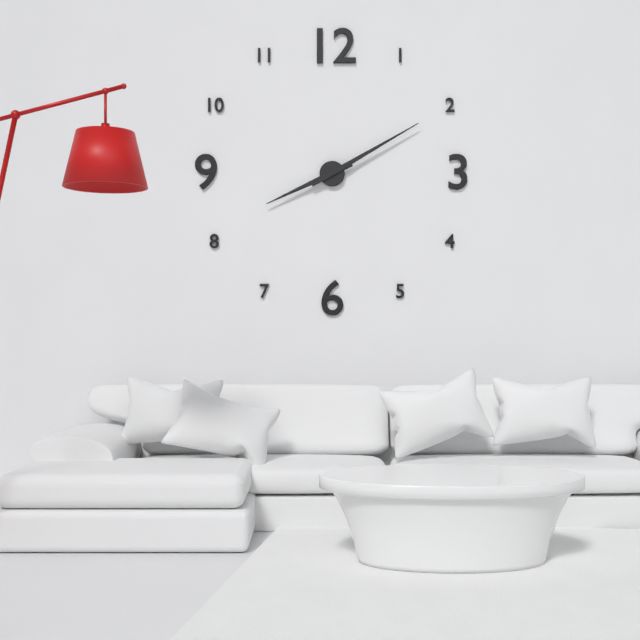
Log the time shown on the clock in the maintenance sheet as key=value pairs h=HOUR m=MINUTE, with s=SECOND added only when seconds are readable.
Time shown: h=8 m=10
